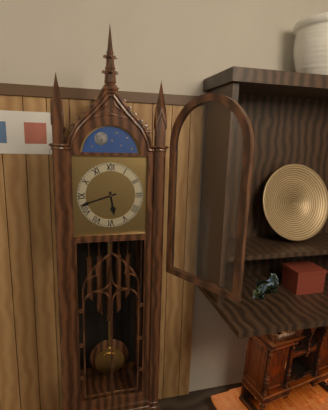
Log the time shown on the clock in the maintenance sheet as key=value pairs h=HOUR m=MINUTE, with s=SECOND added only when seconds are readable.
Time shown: h=5 m=42
